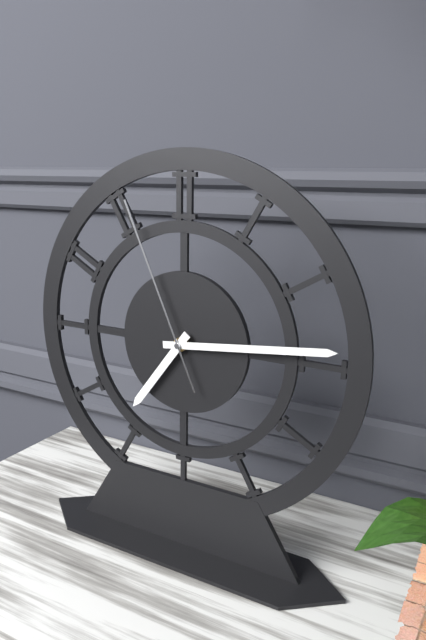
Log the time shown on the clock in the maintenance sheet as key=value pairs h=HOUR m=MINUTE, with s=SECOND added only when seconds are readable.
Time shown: h=7 m=14 s=56
